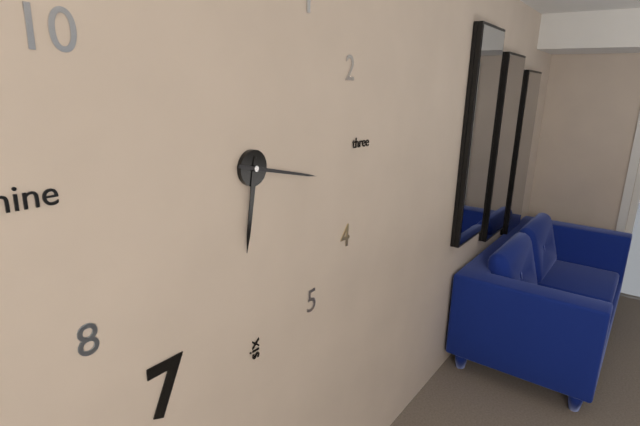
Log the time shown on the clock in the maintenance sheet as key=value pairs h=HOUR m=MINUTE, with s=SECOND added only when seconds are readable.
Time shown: h=6 m=17
